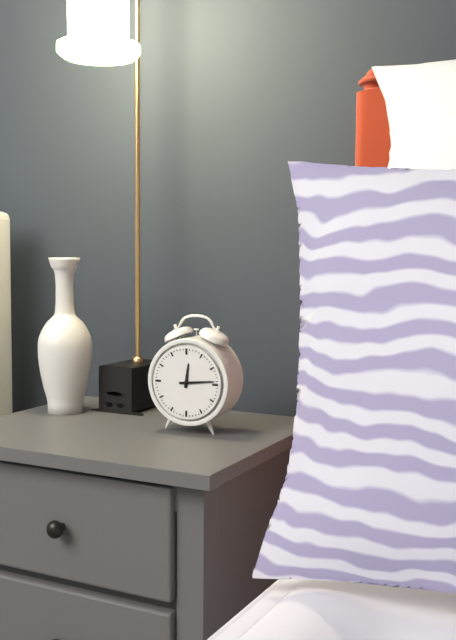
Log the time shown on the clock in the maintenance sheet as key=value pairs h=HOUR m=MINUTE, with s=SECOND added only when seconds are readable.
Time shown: h=12 m=14
